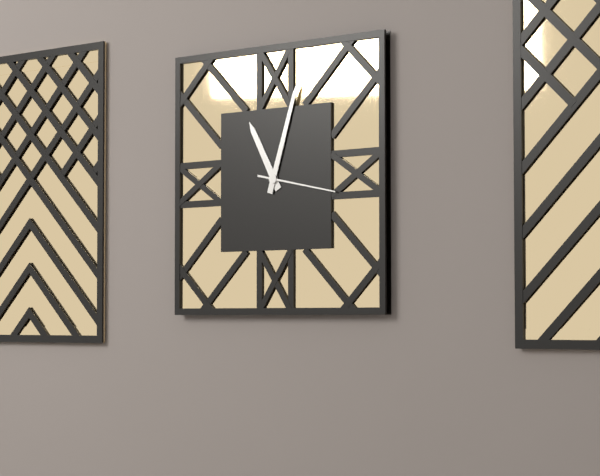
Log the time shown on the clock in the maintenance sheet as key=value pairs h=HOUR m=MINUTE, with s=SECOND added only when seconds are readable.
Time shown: h=11 m=3 s=17
